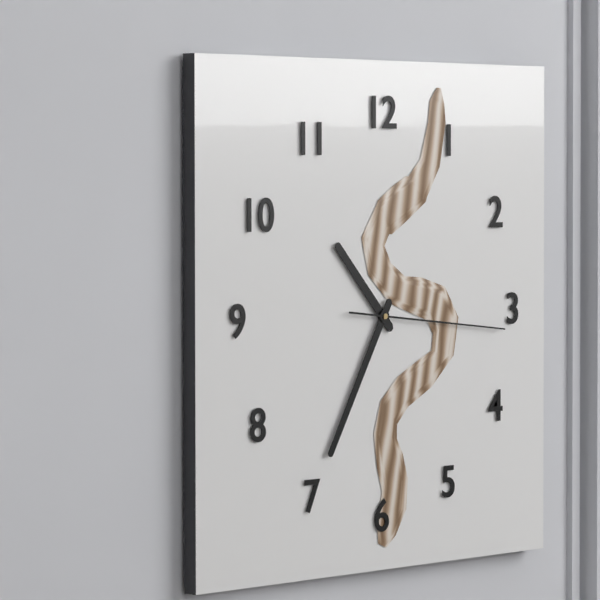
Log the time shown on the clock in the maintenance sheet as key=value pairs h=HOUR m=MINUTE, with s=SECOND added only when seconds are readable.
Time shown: h=10 m=35 s=16
